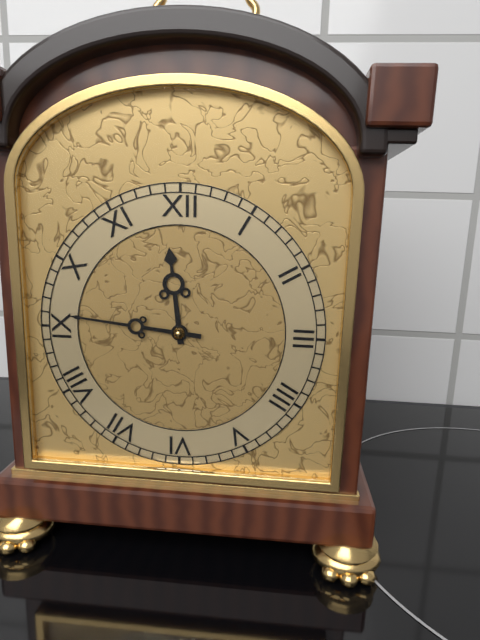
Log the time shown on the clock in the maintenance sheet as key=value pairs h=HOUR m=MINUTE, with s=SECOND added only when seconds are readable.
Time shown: h=11 m=46
